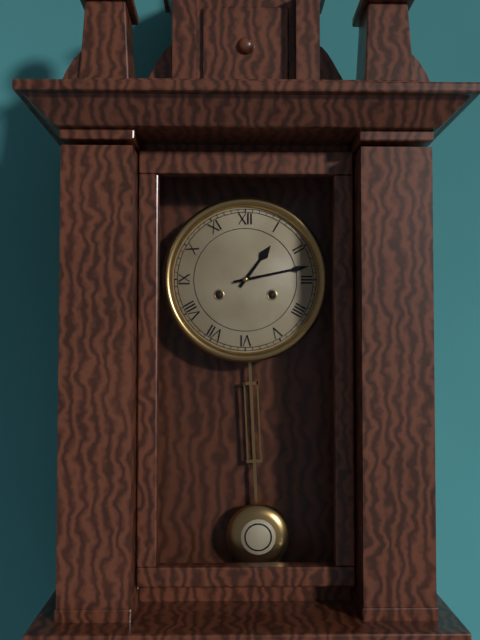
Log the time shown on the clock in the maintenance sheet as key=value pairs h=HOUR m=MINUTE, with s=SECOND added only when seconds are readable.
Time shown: h=1 m=13
